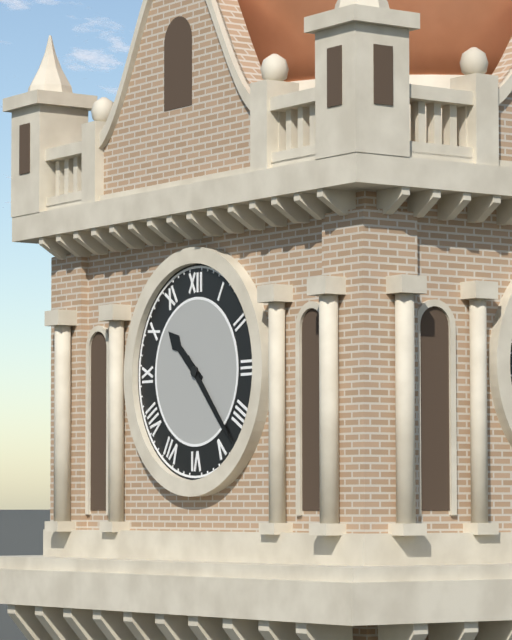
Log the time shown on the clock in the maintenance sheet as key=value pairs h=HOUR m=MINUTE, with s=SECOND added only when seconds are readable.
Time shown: h=10 m=23
